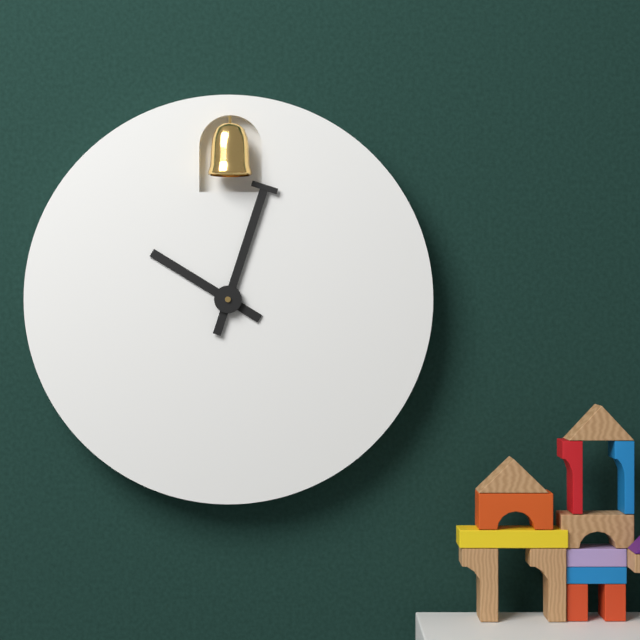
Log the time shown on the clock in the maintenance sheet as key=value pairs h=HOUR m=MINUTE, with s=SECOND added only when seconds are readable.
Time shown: h=10 m=3
